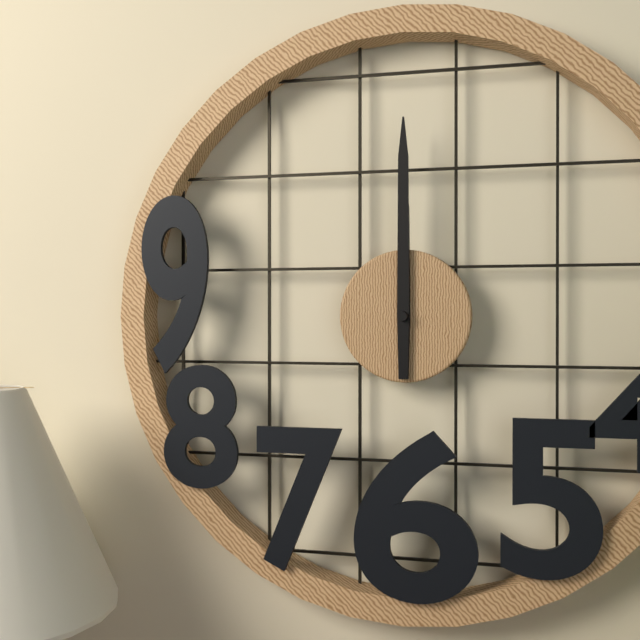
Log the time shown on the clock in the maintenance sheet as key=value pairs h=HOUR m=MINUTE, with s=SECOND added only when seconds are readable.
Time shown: h=12 m=0
